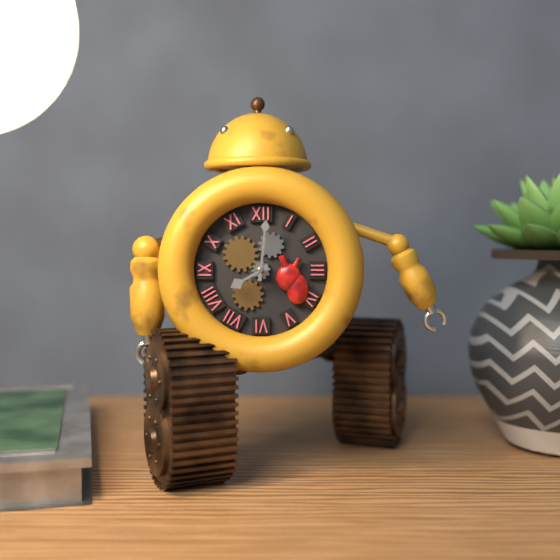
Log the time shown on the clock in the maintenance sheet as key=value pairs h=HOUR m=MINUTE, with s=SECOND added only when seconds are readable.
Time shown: h=8 m=1
